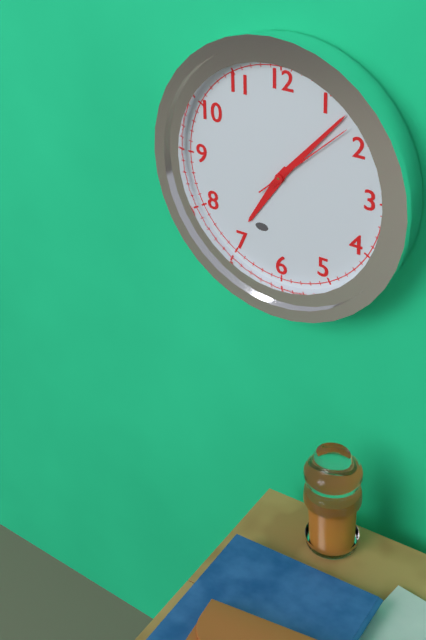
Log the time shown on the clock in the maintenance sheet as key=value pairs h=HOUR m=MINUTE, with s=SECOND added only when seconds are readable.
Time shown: h=7 m=7 s=8
